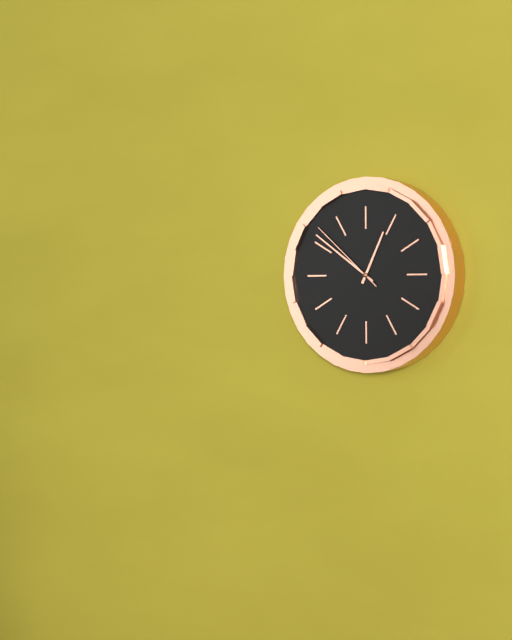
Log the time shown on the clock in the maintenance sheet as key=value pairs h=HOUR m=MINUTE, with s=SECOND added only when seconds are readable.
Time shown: h=12 m=51 s=52
